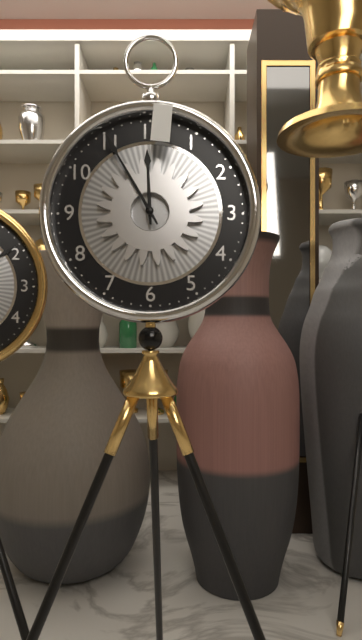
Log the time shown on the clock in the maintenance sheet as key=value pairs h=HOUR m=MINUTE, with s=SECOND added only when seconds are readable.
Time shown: h=11 m=55
